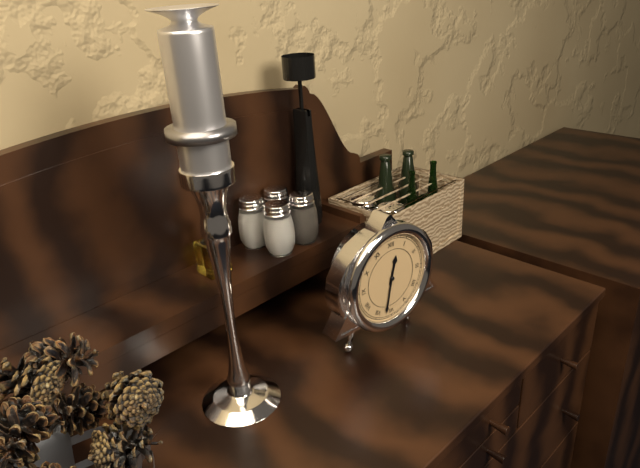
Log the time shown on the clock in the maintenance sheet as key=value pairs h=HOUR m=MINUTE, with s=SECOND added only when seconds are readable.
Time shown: h=12 m=32
